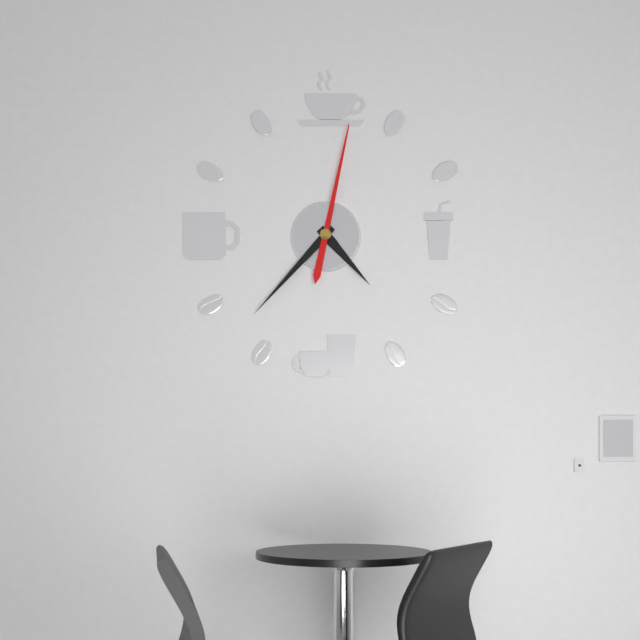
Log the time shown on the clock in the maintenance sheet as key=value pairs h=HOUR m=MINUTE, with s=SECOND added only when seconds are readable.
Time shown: h=4 m=37 s=2
